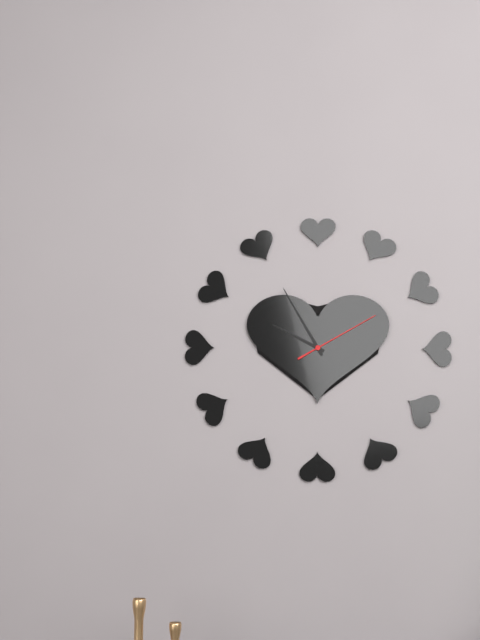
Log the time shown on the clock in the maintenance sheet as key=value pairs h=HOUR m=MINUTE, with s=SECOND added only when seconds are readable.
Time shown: h=9 m=55 s=10
